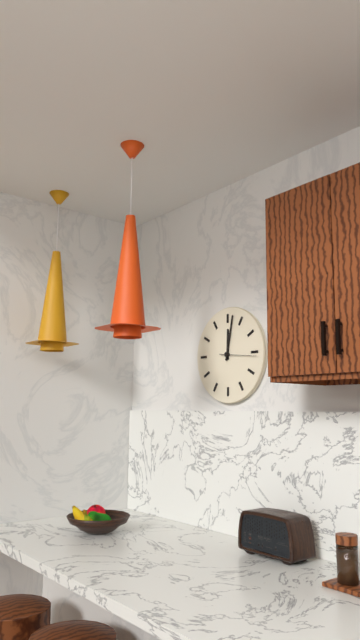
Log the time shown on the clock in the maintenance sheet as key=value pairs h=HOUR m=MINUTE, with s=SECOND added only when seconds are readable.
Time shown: h=12 m=2
